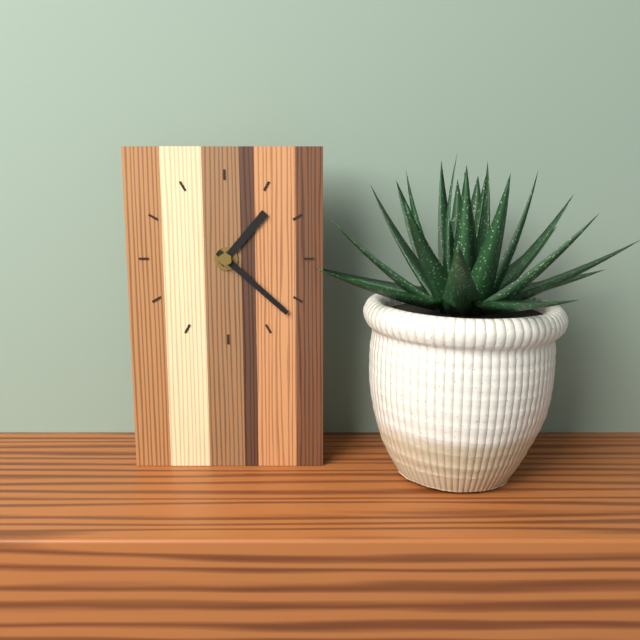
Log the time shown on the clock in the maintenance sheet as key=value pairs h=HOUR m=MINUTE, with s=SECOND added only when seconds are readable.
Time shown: h=1 m=22
